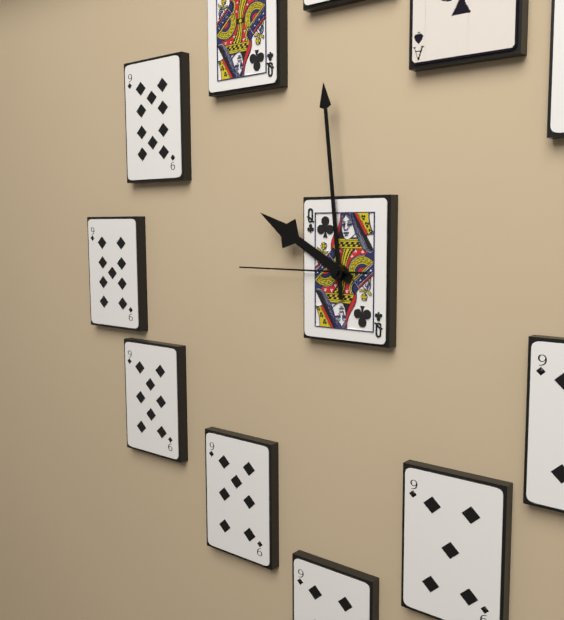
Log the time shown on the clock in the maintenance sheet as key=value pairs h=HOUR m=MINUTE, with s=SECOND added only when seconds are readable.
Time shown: h=9 m=59 s=45
